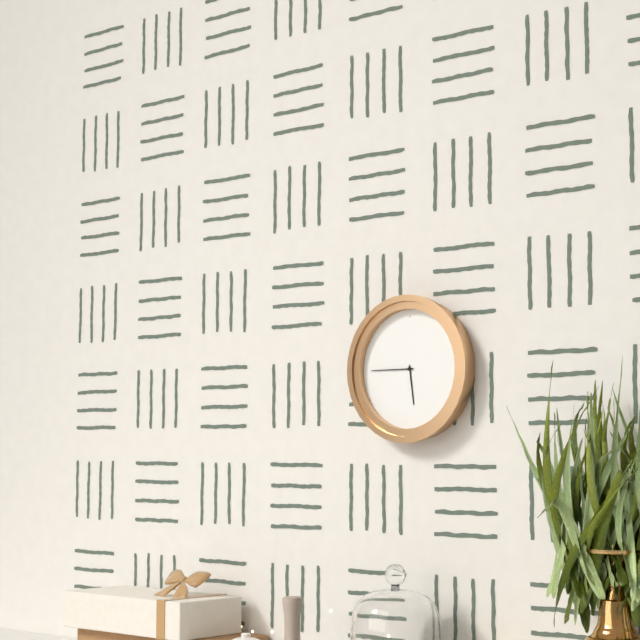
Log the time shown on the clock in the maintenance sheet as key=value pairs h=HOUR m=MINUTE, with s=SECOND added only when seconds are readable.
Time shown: h=5 m=45
